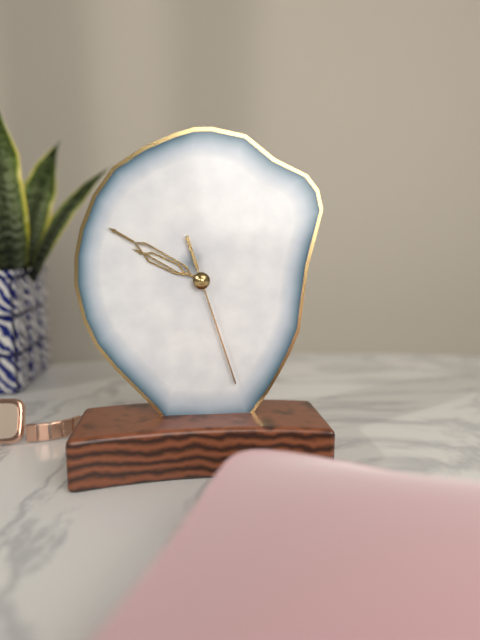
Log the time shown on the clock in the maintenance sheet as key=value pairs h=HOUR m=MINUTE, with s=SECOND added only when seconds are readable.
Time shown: h=9 m=50 s=27
